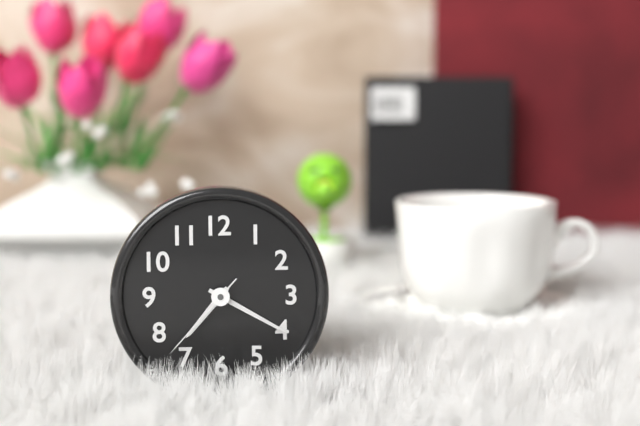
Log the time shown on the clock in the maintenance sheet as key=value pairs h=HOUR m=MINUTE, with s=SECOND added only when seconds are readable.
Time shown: h=7 m=20 s=37
